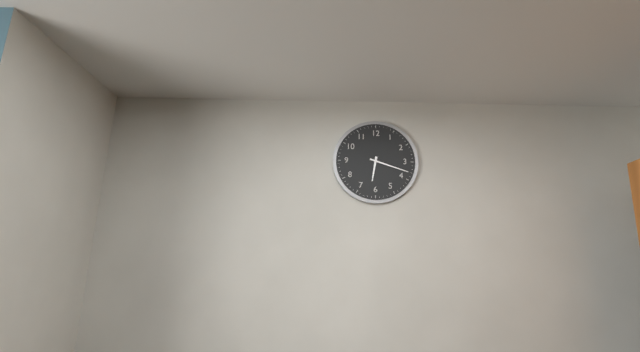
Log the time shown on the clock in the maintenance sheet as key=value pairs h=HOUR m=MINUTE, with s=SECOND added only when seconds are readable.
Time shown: h=6 m=18
